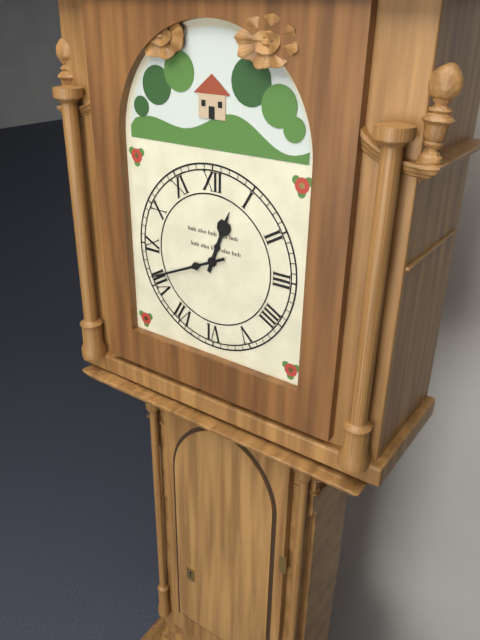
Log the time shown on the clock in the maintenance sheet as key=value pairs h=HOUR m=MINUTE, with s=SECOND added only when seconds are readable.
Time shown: h=12 m=41
